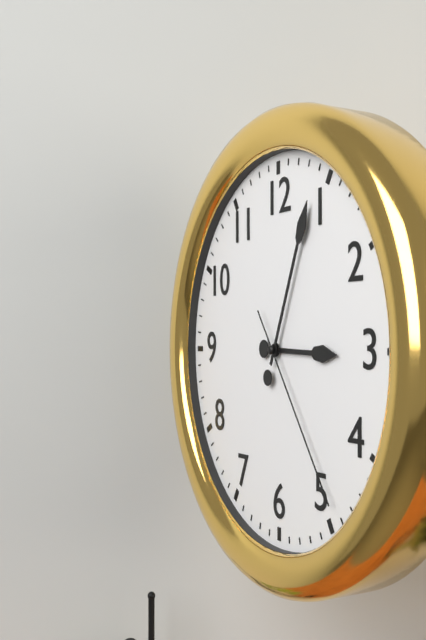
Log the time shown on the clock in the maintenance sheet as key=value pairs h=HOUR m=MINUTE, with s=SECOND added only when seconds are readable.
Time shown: h=3 m=4 s=24
